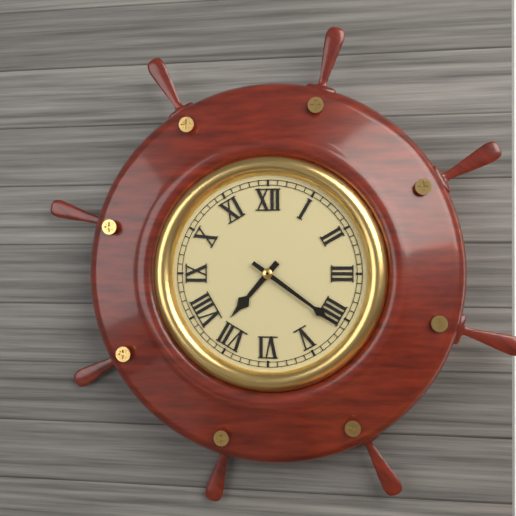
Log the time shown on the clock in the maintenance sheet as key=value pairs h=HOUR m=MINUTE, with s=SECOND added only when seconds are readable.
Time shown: h=7 m=21
